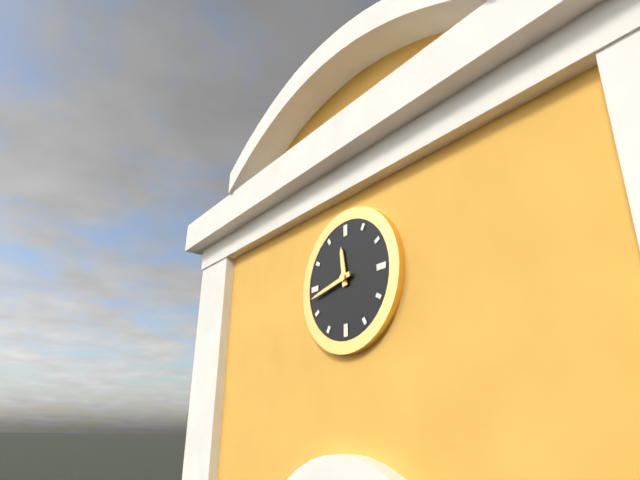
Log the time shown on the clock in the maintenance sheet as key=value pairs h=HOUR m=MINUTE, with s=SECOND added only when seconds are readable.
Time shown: h=11 m=43
